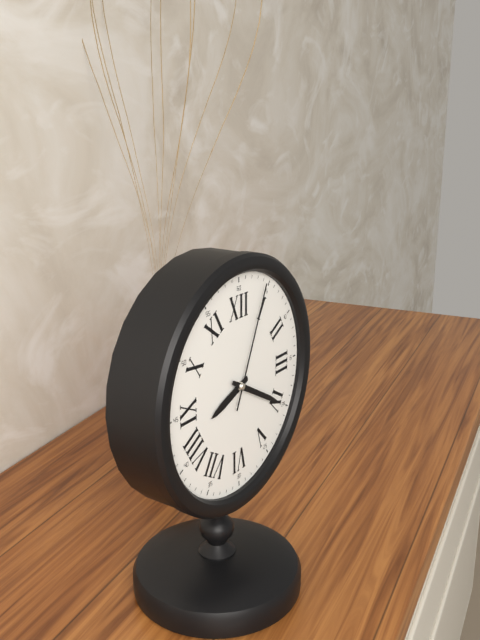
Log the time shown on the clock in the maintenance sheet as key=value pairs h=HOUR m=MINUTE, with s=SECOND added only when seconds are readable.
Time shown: h=8 m=20 s=4
